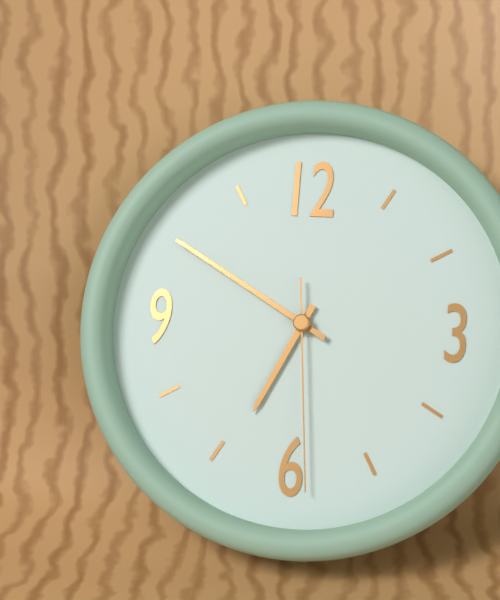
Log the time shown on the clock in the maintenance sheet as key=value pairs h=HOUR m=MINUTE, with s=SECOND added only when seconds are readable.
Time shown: h=6 m=50 s=29
